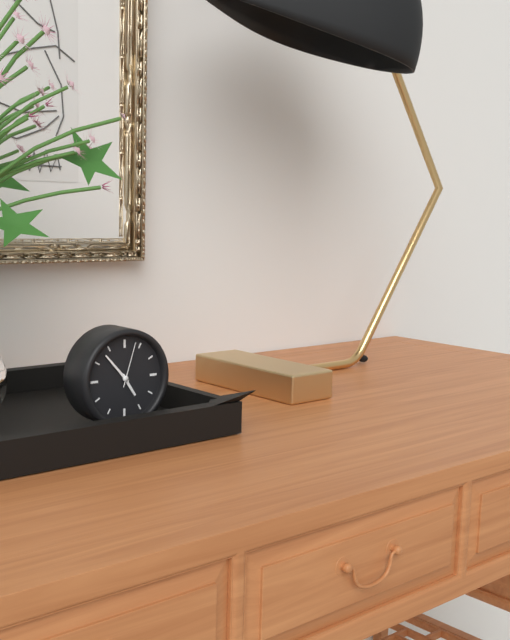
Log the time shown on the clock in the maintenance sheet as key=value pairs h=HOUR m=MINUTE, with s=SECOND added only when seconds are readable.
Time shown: h=4 m=53
